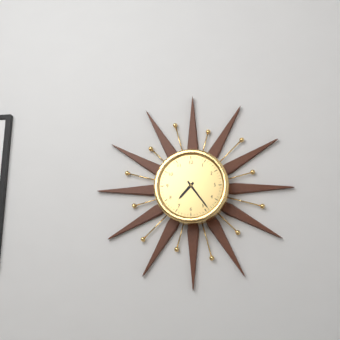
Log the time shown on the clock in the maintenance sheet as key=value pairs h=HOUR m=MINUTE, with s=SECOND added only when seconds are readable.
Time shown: h=7 m=24
